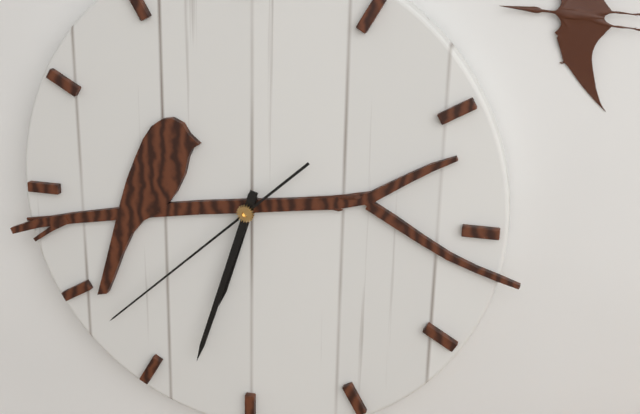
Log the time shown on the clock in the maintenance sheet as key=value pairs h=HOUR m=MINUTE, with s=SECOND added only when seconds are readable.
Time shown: h=6 m=33 s=38
